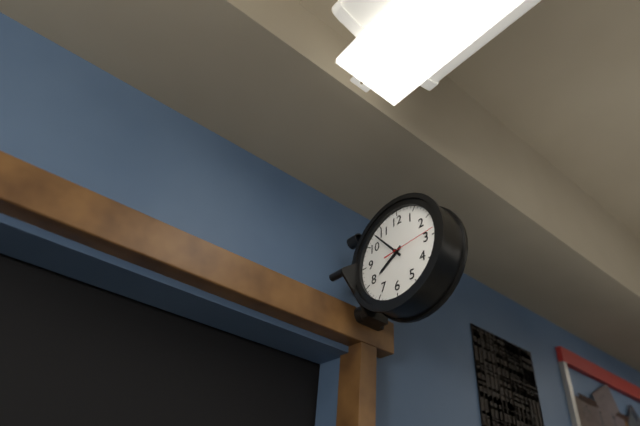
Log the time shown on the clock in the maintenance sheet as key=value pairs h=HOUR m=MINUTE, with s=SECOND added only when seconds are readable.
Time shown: h=7 m=53 s=14
